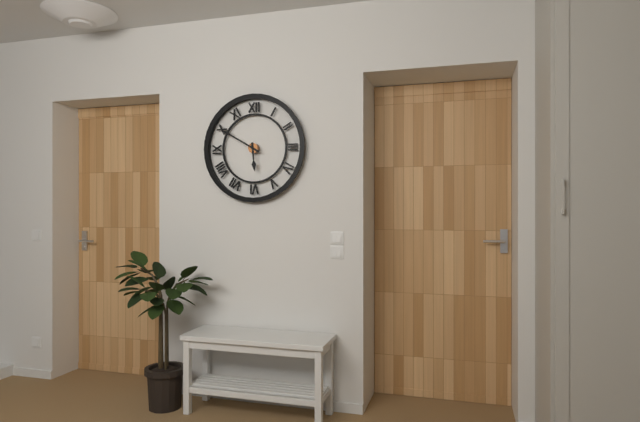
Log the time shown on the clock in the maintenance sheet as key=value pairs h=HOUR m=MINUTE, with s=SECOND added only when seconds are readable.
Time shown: h=5 m=50
